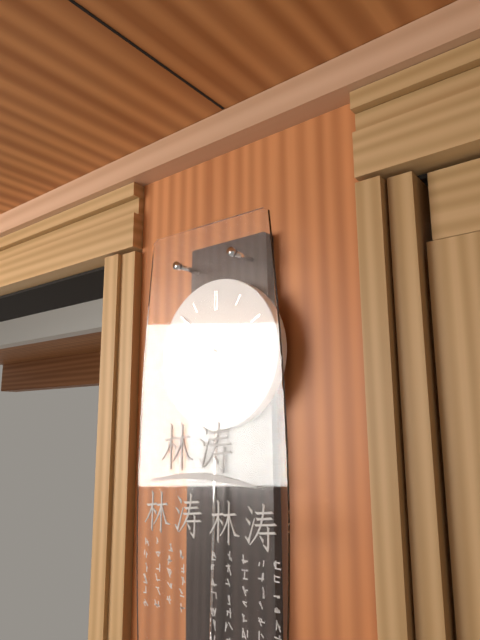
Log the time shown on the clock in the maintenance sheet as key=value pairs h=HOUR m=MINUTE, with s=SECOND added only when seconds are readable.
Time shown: h=9 m=52
